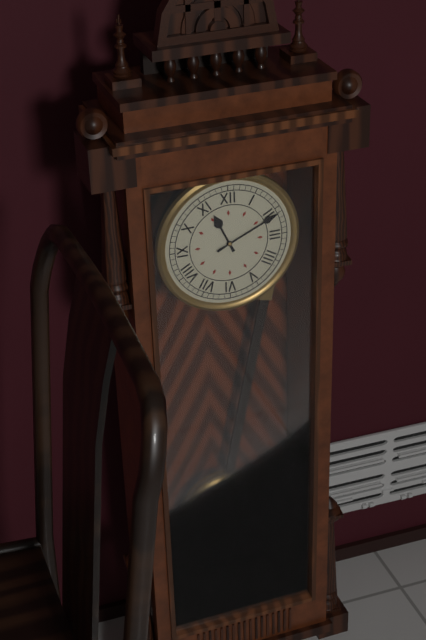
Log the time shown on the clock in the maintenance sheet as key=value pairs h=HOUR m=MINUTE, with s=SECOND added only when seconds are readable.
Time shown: h=11 m=11
